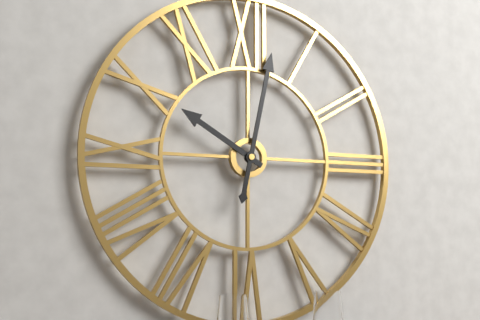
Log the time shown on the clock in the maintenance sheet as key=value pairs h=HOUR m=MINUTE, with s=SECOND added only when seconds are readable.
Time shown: h=10 m=2
